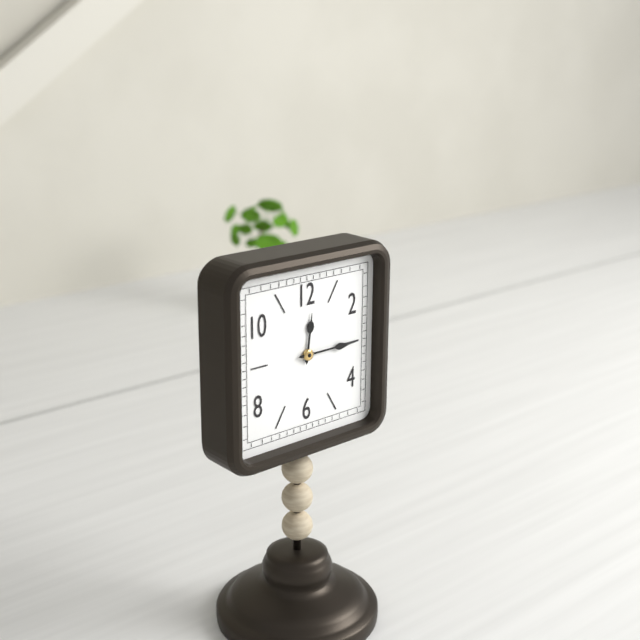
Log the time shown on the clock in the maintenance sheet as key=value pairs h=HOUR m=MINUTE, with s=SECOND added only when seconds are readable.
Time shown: h=12 m=15
